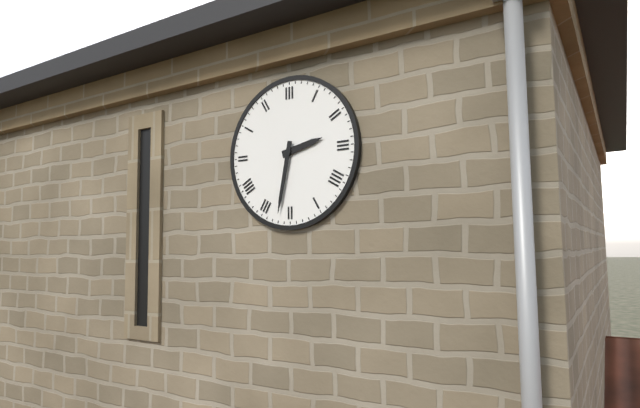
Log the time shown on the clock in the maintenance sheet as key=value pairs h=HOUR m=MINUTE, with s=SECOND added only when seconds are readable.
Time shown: h=2 m=32
